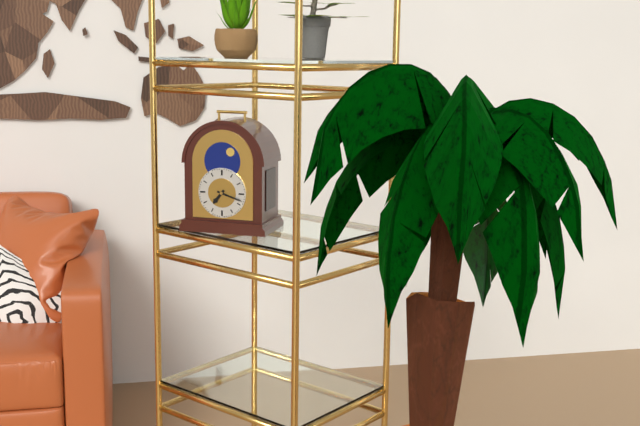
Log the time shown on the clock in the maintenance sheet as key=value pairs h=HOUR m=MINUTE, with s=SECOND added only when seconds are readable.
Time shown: h=7 m=18
